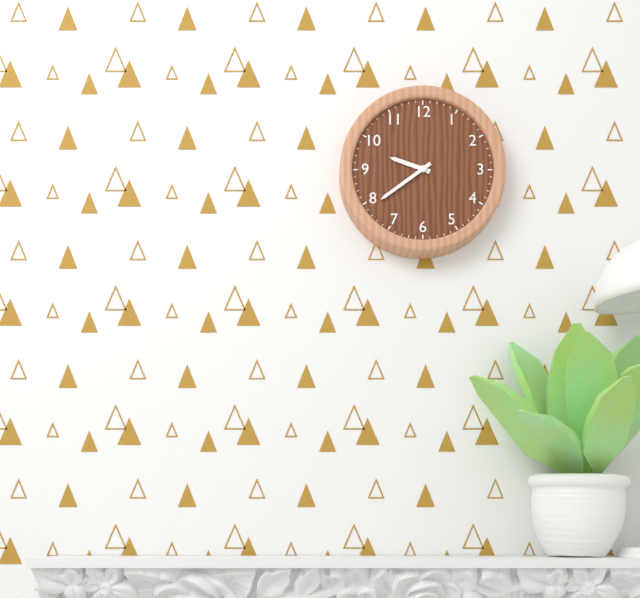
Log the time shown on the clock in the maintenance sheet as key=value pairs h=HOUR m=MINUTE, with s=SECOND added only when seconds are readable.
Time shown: h=9 m=39
